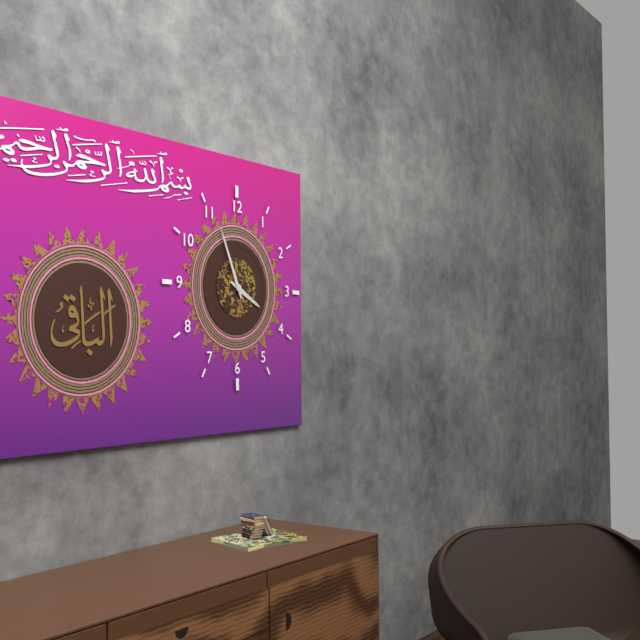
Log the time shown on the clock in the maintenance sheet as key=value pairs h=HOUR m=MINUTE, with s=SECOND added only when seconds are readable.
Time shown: h=3 m=56
